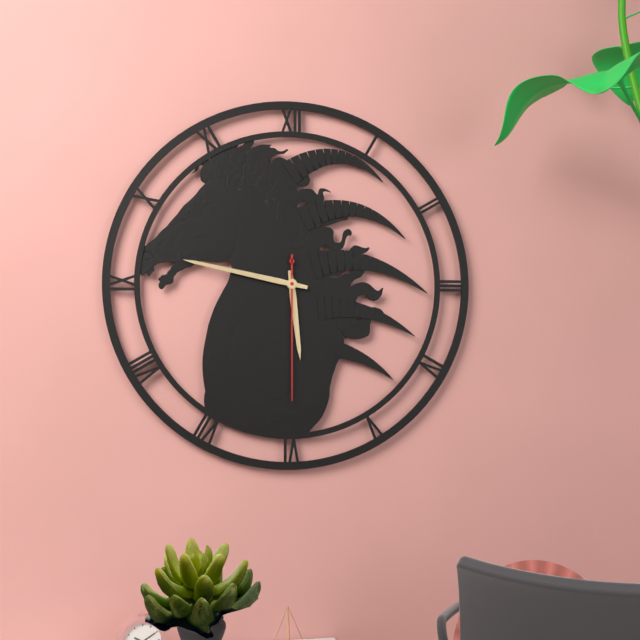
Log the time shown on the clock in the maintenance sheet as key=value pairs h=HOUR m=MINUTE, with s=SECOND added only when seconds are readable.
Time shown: h=5 m=47 s=30
